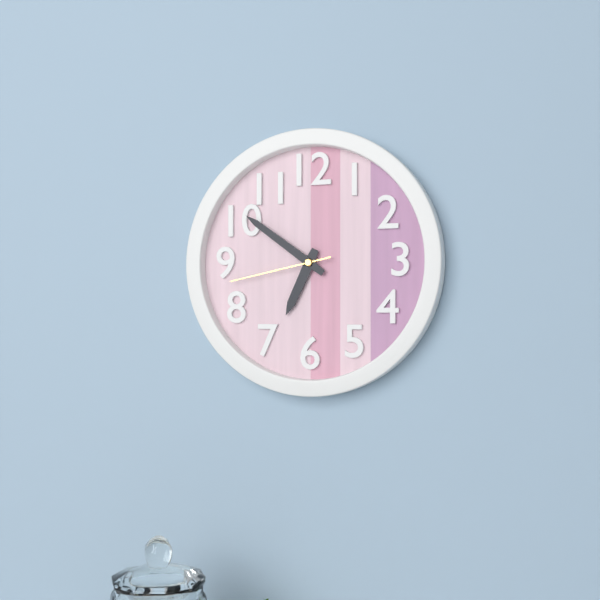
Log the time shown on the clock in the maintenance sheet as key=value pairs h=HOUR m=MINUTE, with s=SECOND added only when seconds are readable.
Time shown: h=6 m=51 s=43
